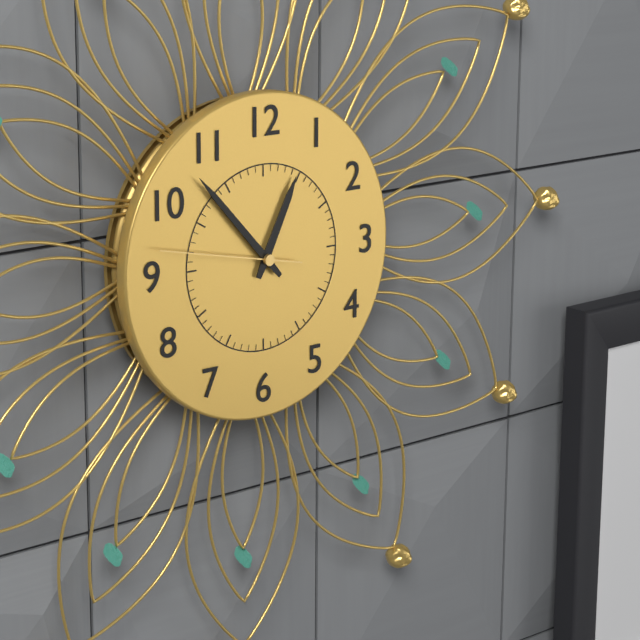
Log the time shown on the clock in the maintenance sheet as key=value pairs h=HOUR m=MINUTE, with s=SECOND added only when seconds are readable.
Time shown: h=12 m=53 s=47
